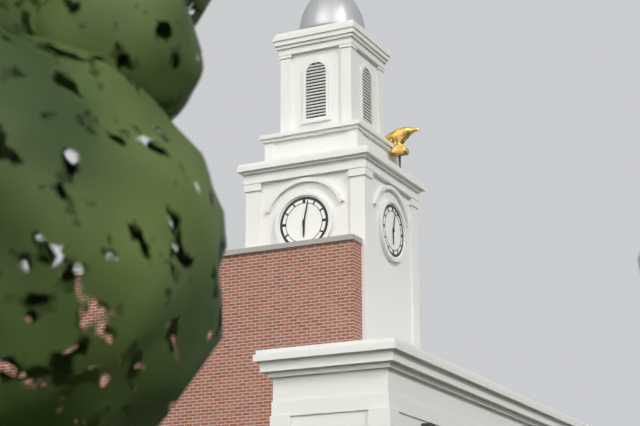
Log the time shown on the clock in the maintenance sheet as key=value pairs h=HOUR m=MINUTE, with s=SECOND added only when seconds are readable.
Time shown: h=6 m=2
